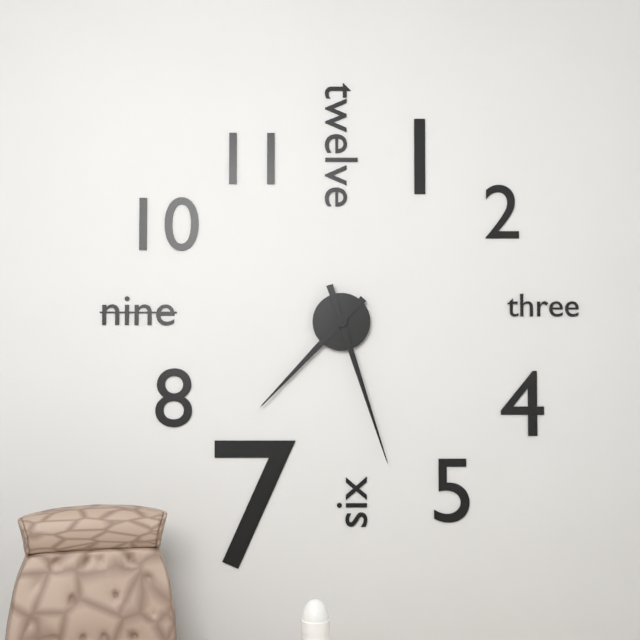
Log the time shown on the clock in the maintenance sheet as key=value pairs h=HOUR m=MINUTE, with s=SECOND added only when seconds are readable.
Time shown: h=7 m=27
